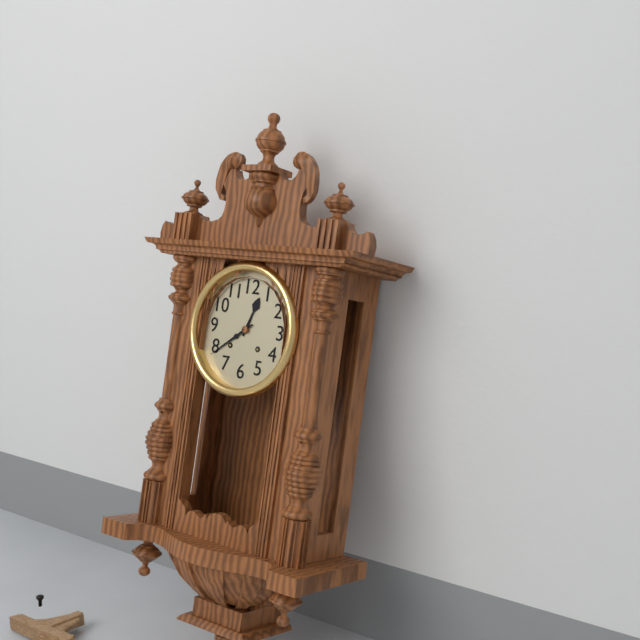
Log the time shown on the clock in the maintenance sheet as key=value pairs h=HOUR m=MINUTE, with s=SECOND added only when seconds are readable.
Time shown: h=12 m=39
